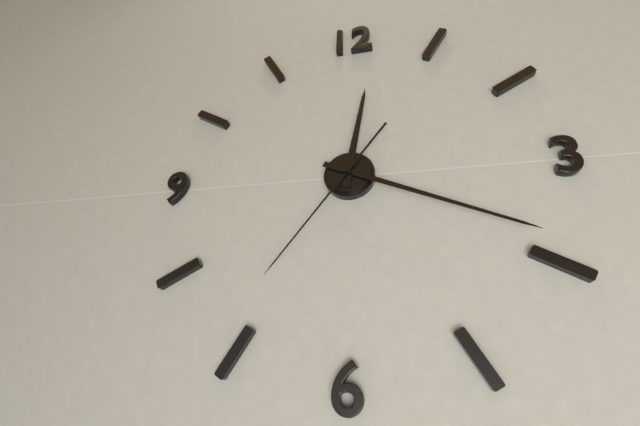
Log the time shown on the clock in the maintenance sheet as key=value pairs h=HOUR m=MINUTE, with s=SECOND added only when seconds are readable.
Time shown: h=12 m=19 s=36
